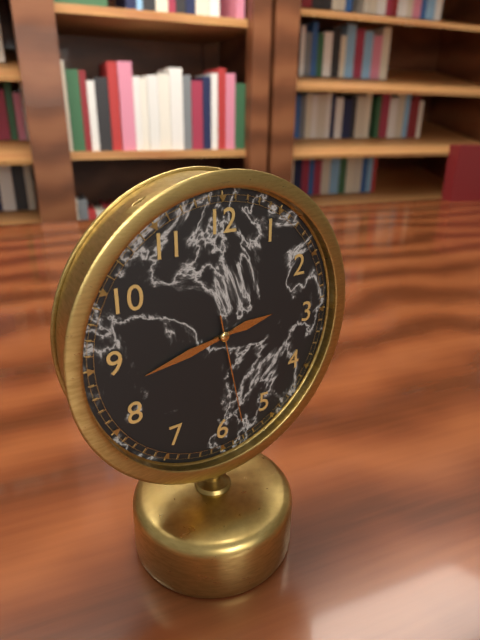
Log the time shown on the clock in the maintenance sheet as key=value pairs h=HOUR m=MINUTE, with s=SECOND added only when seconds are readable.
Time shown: h=2 m=43 s=28
